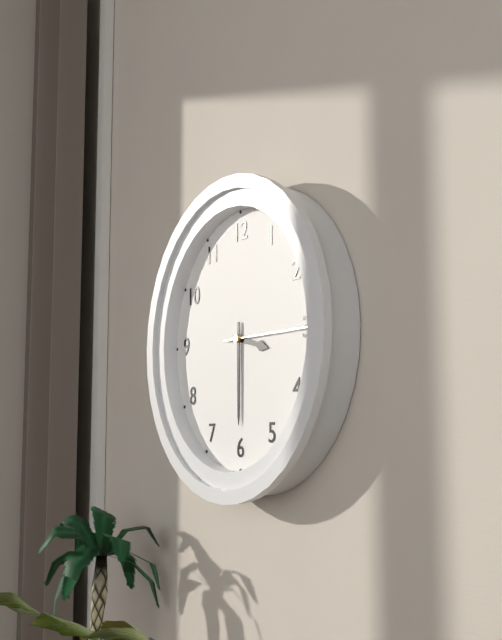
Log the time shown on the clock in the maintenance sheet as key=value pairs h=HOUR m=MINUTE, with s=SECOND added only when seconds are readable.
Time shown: h=3 m=30 s=15
